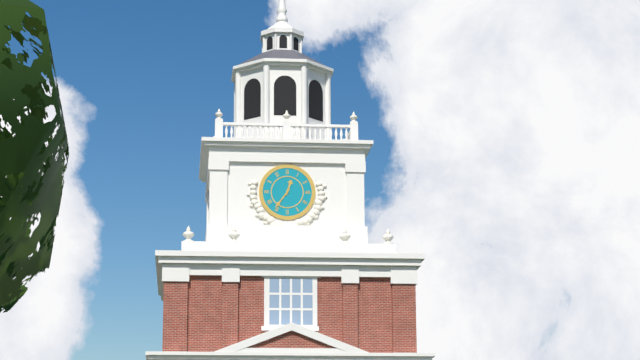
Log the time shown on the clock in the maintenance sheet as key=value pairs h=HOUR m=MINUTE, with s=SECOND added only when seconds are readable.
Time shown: h=12 m=36
